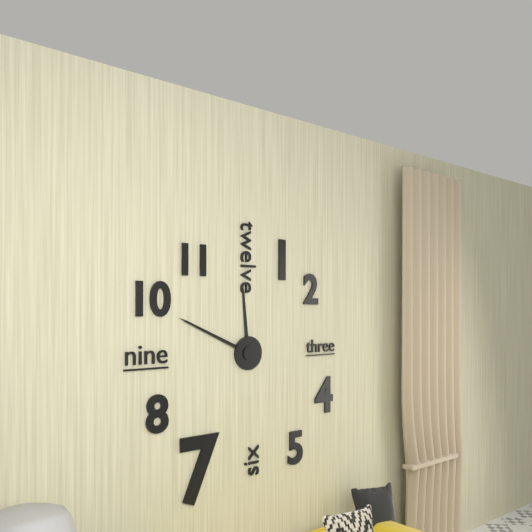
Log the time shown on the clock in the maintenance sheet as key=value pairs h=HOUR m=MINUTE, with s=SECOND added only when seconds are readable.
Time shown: h=11 m=49
